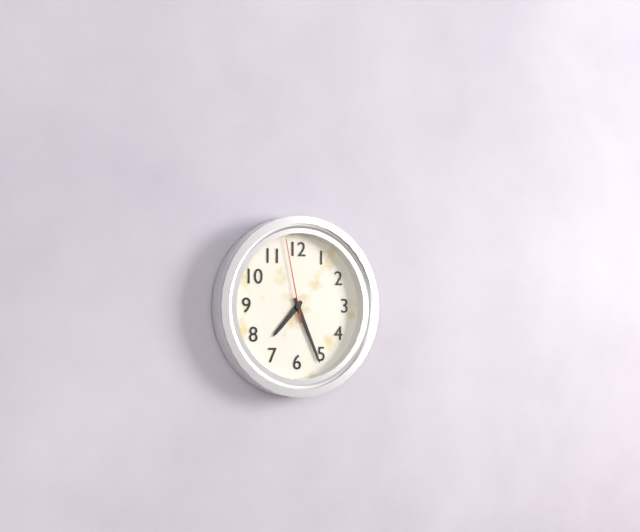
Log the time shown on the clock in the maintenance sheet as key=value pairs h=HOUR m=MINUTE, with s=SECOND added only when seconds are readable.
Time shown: h=7 m=26 s=58
